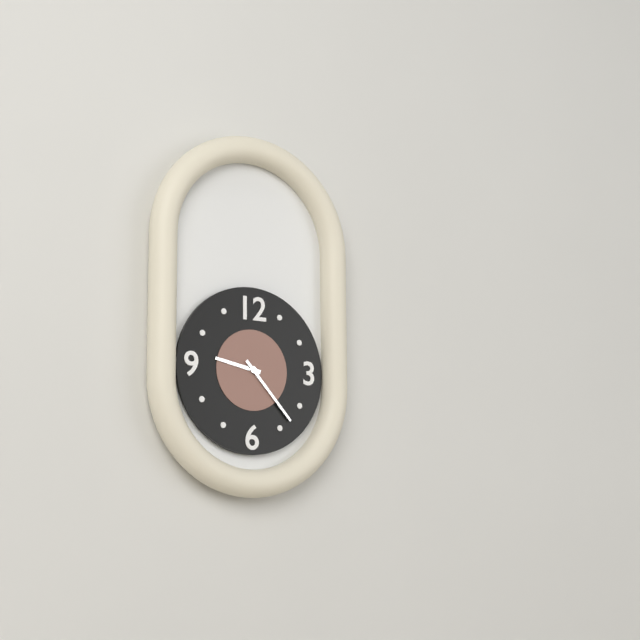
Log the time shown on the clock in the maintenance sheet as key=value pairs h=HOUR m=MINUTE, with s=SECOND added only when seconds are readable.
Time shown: h=9 m=23
